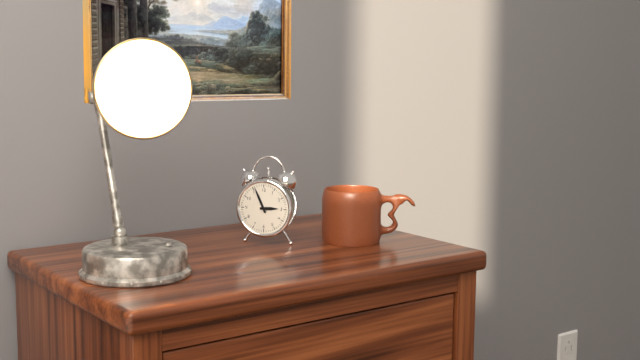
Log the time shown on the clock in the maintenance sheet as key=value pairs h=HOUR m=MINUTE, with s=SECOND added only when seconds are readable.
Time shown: h=2 m=56
